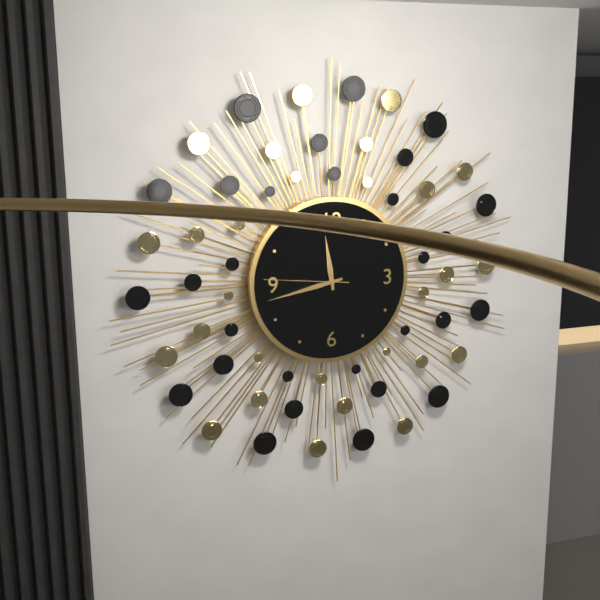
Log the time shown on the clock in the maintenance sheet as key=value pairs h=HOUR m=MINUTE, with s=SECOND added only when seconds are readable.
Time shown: h=11 m=43 s=46
